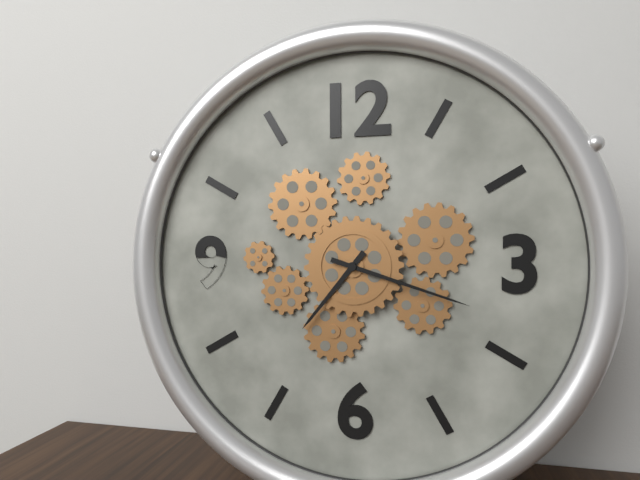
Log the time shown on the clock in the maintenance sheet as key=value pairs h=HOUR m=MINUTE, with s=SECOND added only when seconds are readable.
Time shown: h=7 m=18
